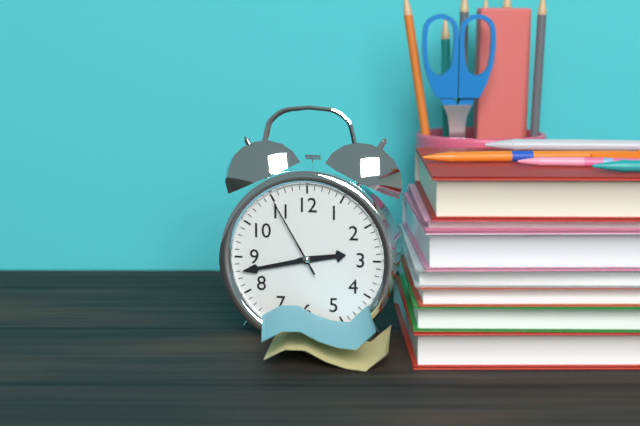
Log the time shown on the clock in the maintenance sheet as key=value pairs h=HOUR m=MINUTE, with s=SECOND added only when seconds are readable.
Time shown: h=2 m=43 s=55
